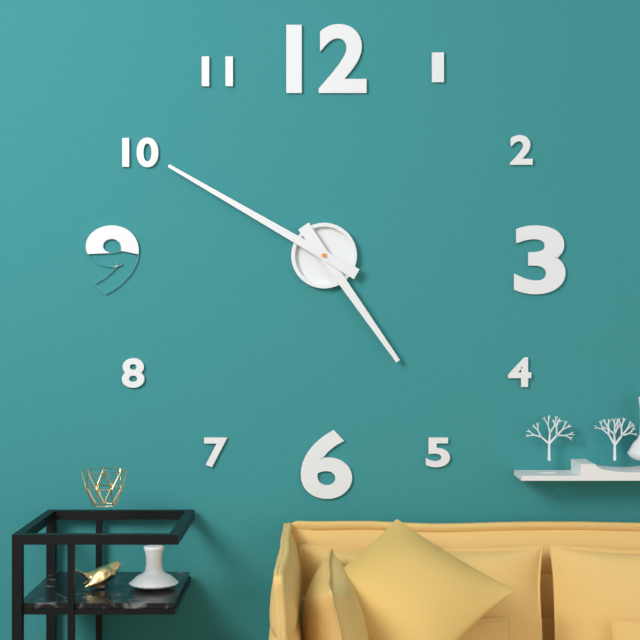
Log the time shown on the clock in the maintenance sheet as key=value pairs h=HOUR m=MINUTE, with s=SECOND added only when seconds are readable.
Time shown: h=4 m=50
